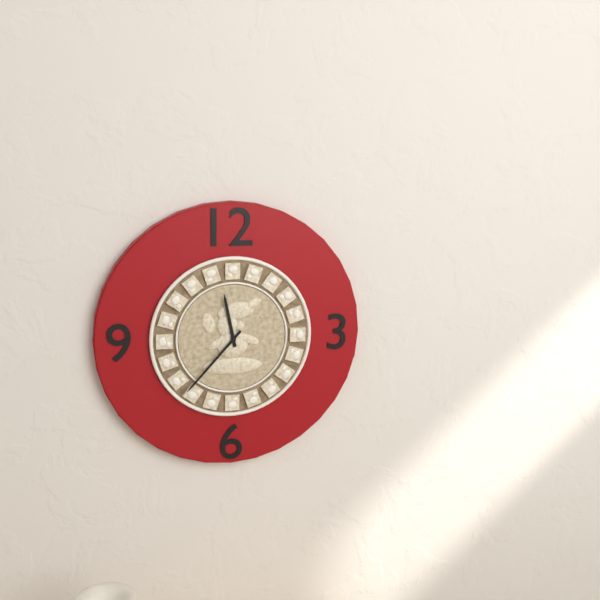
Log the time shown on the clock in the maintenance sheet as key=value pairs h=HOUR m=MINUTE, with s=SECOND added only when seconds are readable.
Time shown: h=11 m=37
